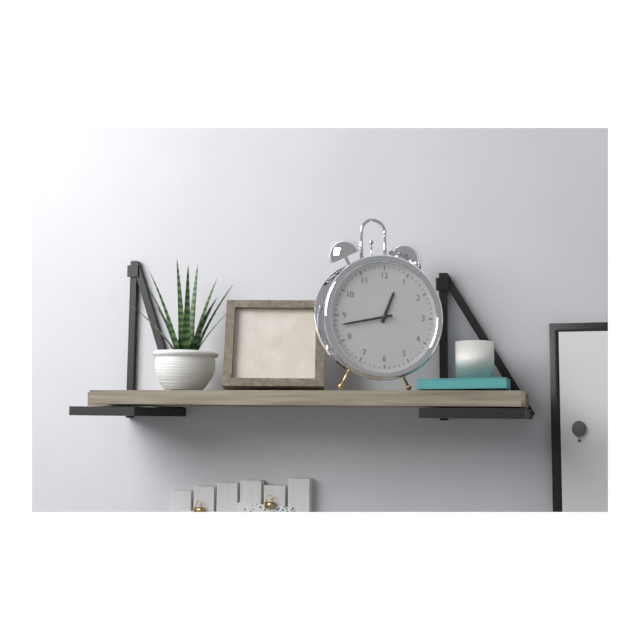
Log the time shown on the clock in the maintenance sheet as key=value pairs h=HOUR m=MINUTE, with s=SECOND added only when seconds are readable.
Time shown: h=12 m=43
